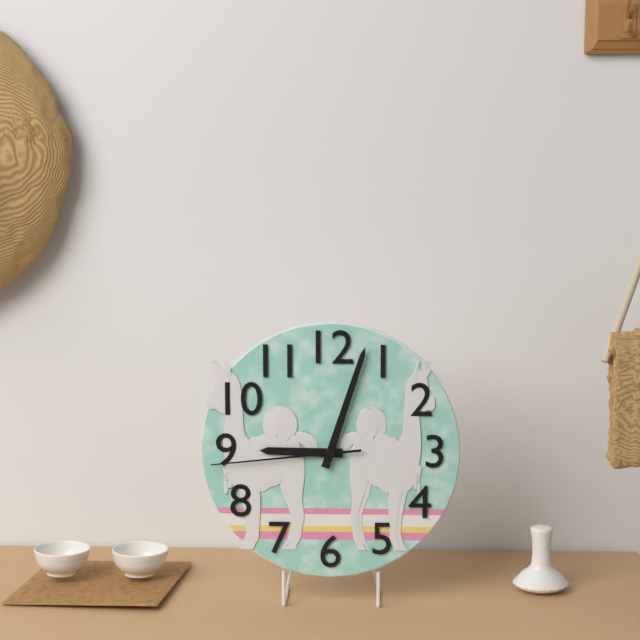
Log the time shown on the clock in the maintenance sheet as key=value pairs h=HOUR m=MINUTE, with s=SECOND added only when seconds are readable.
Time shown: h=9 m=3 s=44
